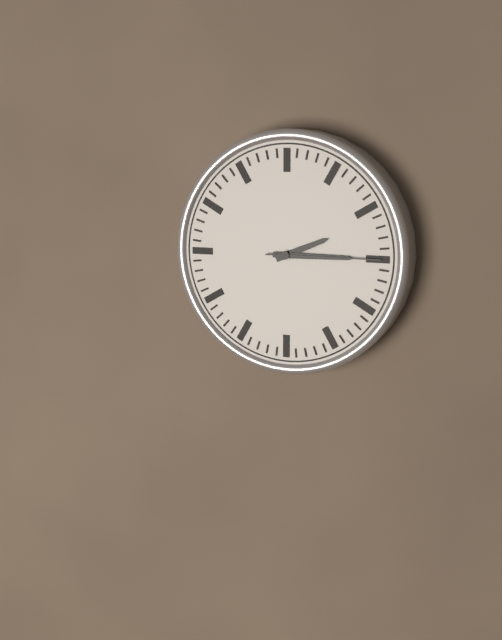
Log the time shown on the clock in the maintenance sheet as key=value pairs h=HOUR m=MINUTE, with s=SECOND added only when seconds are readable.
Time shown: h=2 m=15 s=15
